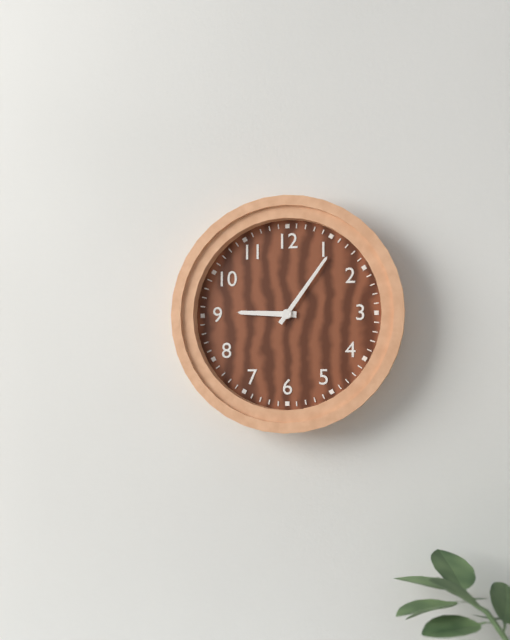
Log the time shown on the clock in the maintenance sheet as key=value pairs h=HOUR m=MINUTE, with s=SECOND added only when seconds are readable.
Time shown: h=9 m=6
